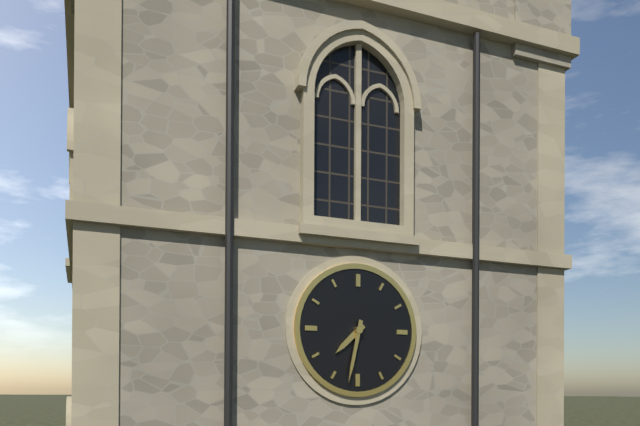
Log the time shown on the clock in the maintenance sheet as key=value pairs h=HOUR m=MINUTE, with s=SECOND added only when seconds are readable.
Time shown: h=7 m=32
